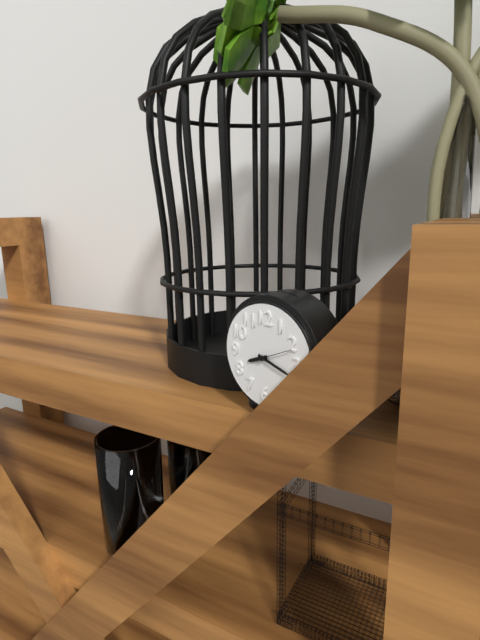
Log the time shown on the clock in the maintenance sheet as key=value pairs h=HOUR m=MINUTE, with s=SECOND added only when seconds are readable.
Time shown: h=8 m=18
